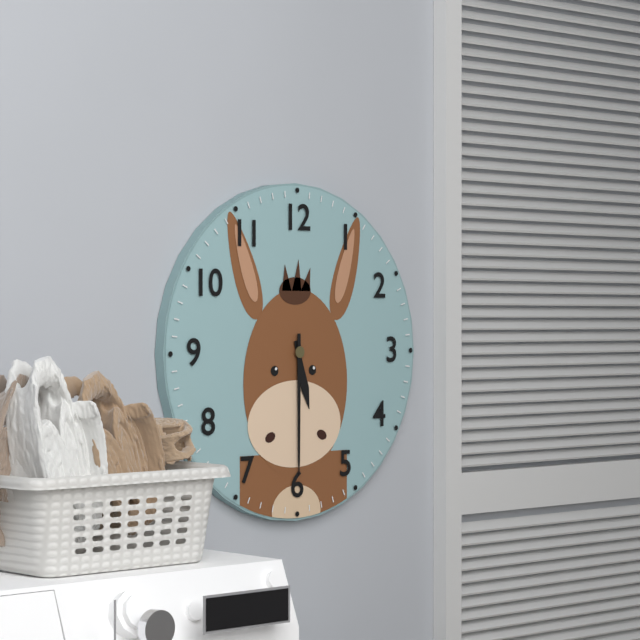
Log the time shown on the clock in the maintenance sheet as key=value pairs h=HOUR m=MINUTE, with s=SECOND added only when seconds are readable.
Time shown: h=5 m=30
